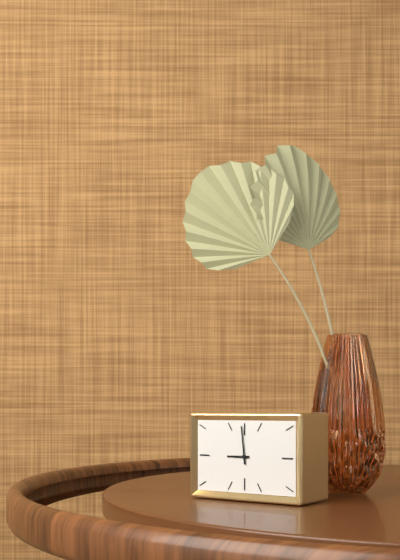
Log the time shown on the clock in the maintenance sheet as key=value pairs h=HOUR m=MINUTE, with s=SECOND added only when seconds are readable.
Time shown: h=8 m=59
